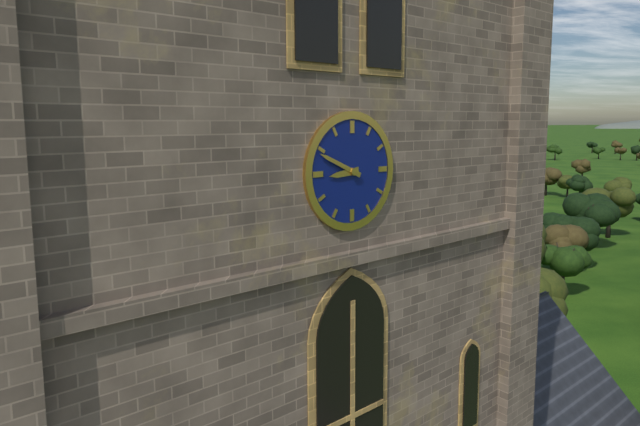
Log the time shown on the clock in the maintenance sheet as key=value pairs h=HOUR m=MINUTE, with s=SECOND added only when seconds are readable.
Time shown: h=8 m=49
